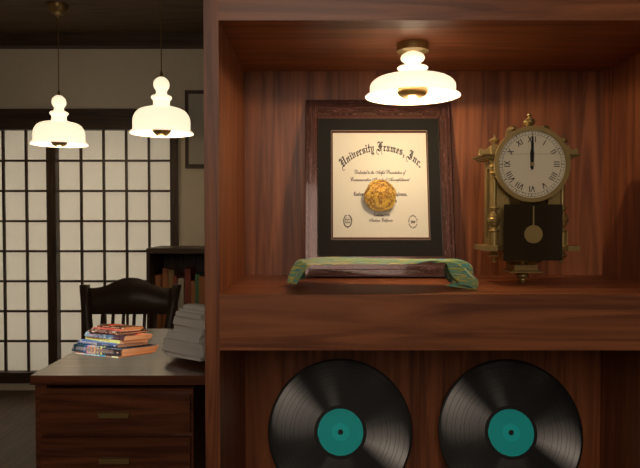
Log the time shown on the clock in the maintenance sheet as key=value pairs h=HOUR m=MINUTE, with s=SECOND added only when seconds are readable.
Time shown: h=12 m=0
